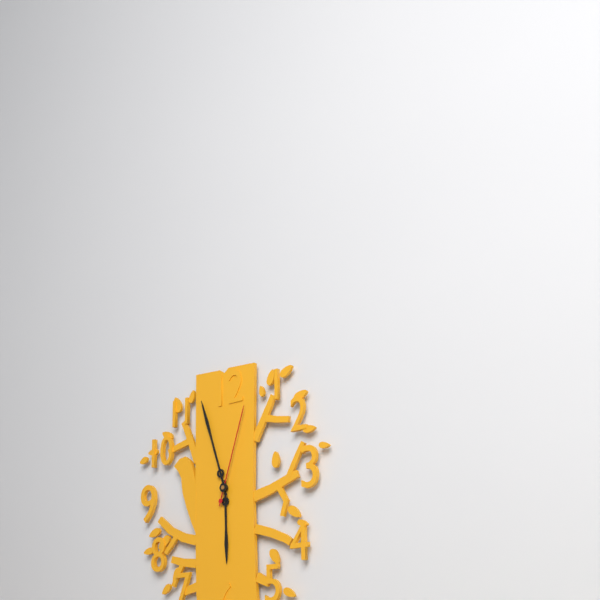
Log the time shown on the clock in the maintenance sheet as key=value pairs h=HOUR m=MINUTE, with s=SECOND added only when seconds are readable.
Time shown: h=5 m=57 s=3
